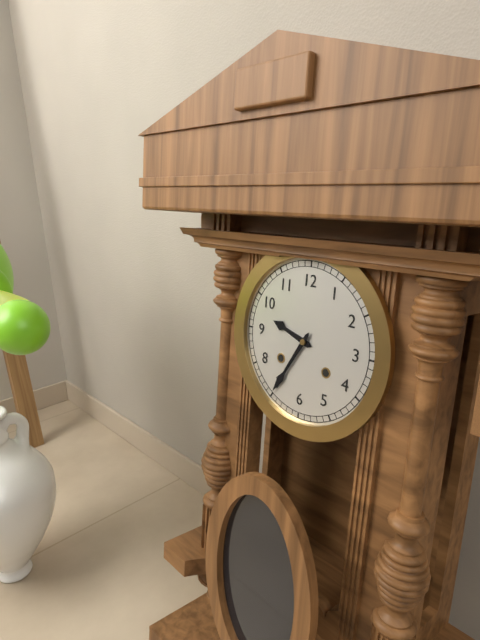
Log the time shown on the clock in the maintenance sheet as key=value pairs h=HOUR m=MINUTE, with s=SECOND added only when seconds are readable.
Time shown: h=9 m=35
